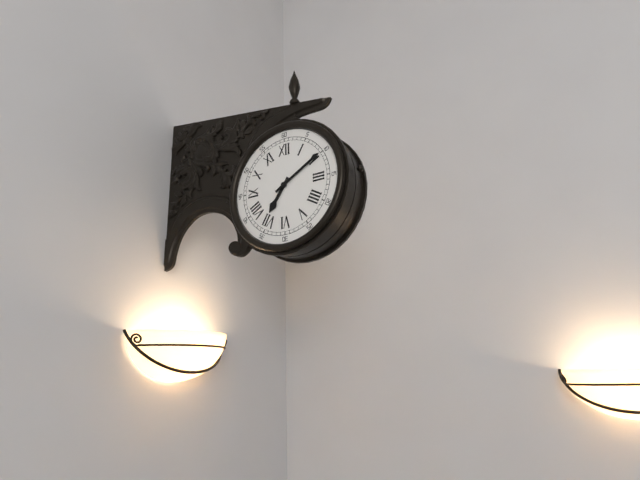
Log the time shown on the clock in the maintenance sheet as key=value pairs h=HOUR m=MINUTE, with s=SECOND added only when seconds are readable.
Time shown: h=7 m=10
